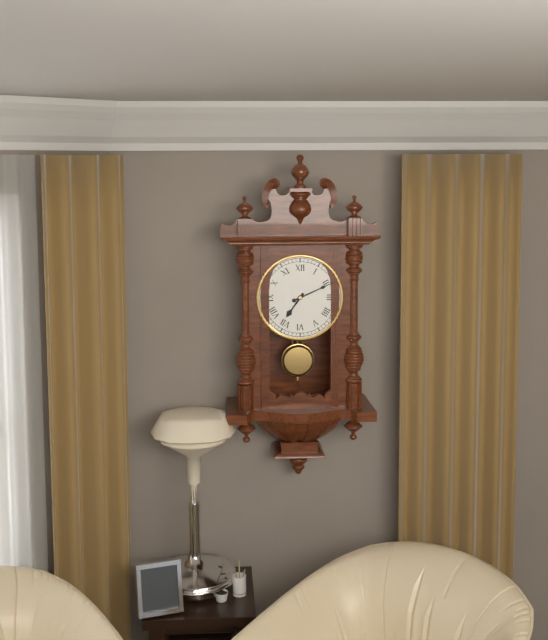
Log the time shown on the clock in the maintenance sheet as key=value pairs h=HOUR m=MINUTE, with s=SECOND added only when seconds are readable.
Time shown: h=7 m=11
